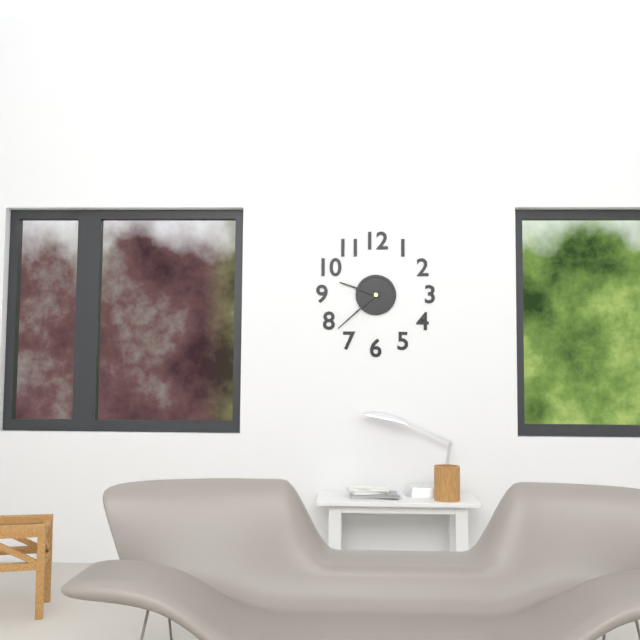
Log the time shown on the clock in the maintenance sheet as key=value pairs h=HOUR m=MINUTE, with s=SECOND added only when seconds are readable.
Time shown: h=9 m=38
